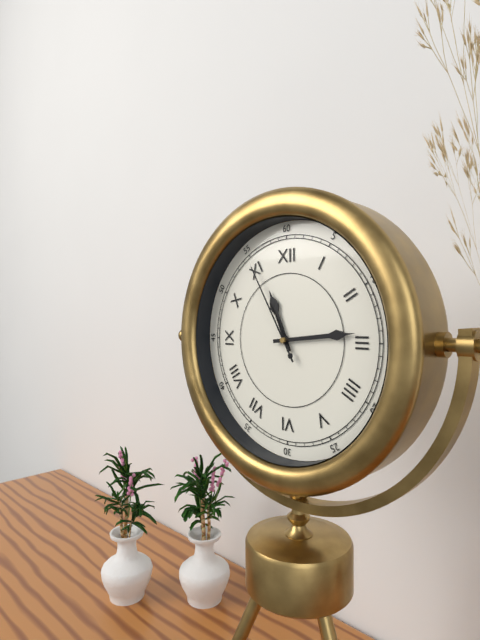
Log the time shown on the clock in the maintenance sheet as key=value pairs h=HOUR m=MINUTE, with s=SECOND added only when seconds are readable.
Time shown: h=11 m=14 s=55
